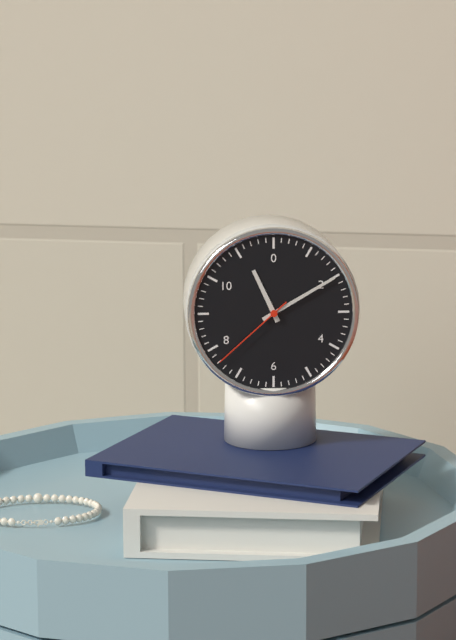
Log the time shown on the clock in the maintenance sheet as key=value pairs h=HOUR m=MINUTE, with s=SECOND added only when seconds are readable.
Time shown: h=11 m=10 s=38
